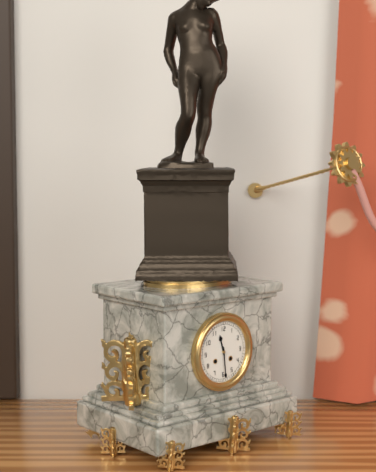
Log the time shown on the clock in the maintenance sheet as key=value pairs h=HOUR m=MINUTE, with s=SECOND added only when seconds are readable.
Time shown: h=11 m=29
